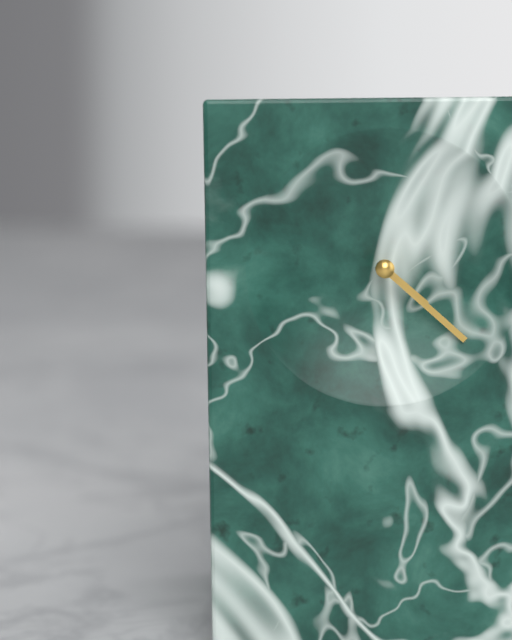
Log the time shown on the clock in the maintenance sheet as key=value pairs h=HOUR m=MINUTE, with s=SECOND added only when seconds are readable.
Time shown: h=4 m=22
